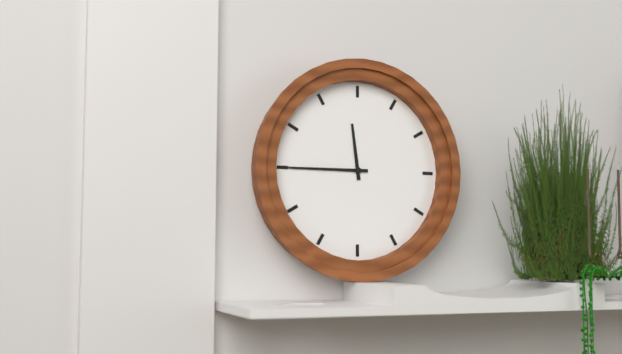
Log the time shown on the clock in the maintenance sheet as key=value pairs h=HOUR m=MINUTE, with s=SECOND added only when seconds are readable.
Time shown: h=11 m=45
